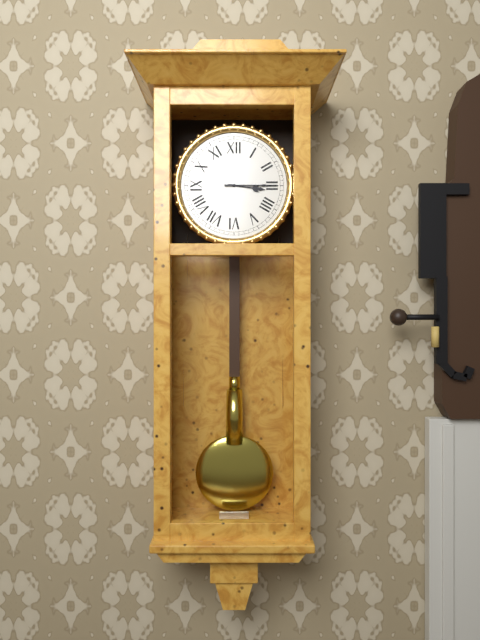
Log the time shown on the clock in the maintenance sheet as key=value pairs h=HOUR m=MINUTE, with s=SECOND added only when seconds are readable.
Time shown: h=3 m=15
